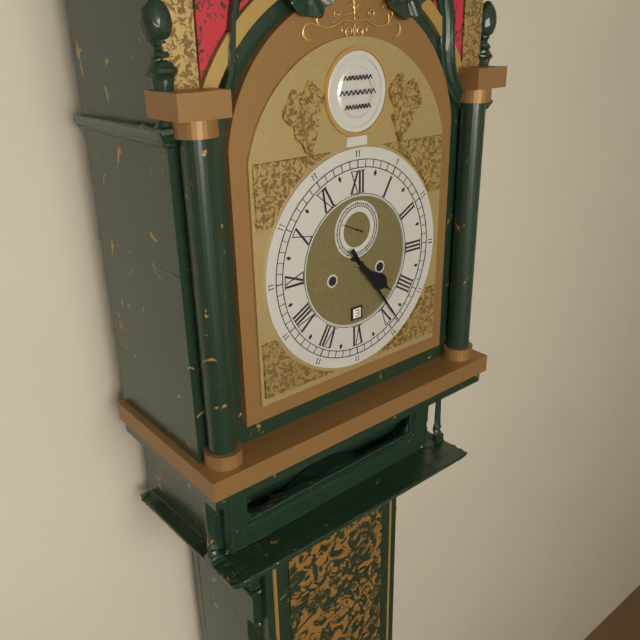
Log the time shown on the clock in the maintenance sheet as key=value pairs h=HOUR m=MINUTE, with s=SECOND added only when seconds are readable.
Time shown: h=4 m=24
